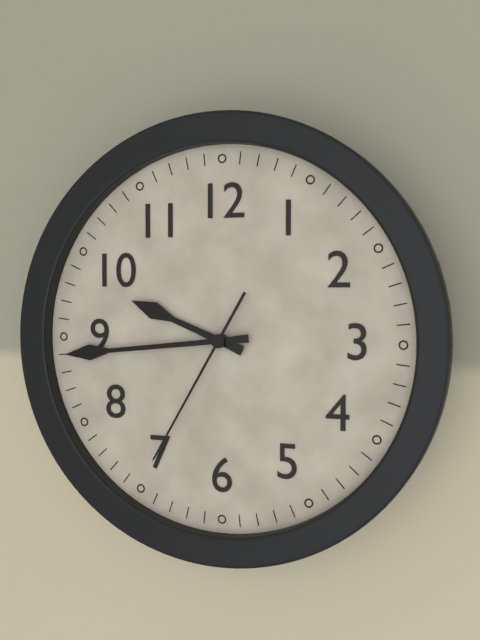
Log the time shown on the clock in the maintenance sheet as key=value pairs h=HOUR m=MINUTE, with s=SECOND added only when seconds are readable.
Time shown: h=9 m=44 s=35
